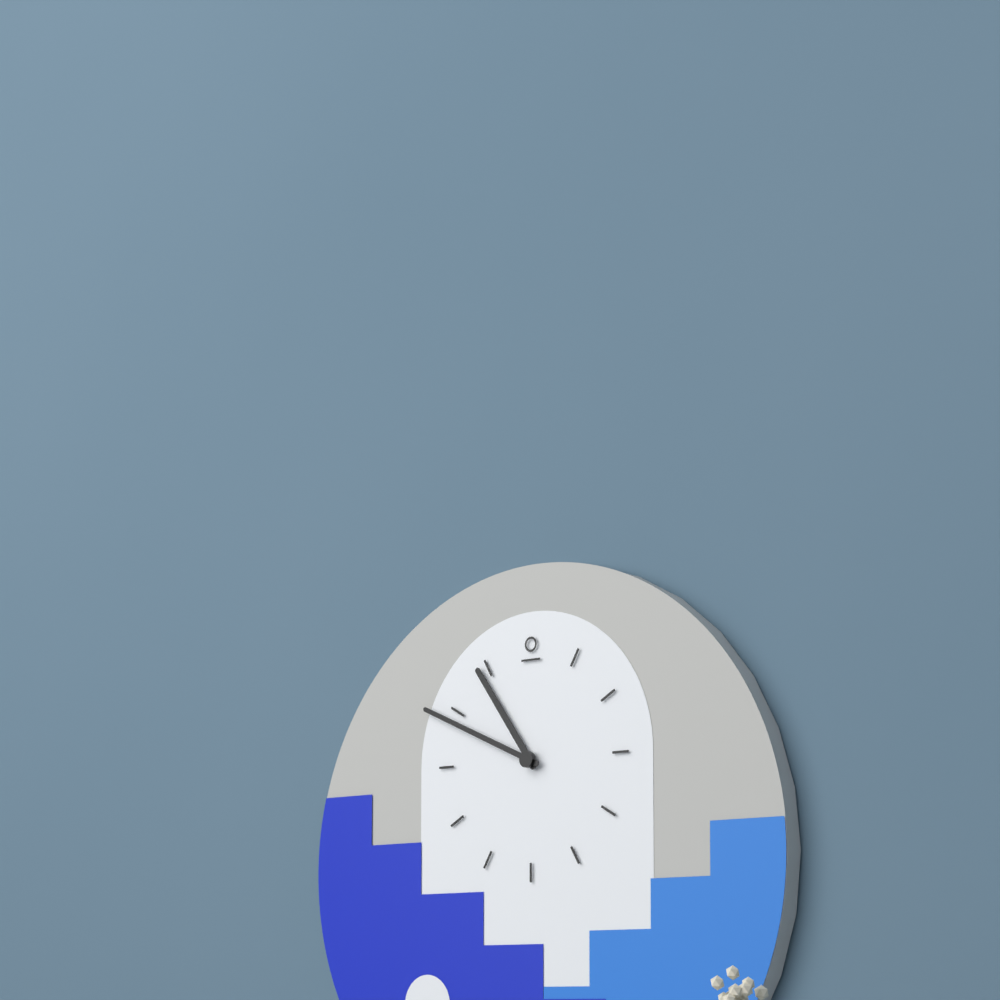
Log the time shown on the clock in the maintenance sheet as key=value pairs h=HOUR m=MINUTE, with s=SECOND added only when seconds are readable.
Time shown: h=10 m=49
